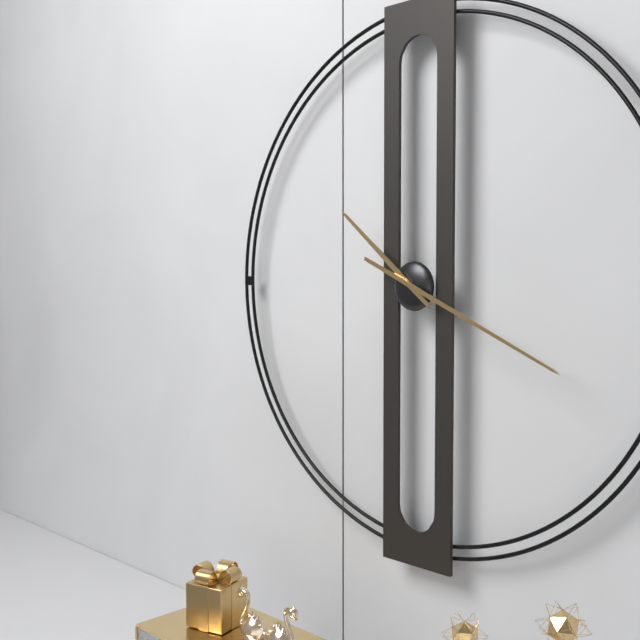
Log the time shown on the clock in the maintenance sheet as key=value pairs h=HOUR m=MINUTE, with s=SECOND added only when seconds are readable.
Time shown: h=10 m=19
